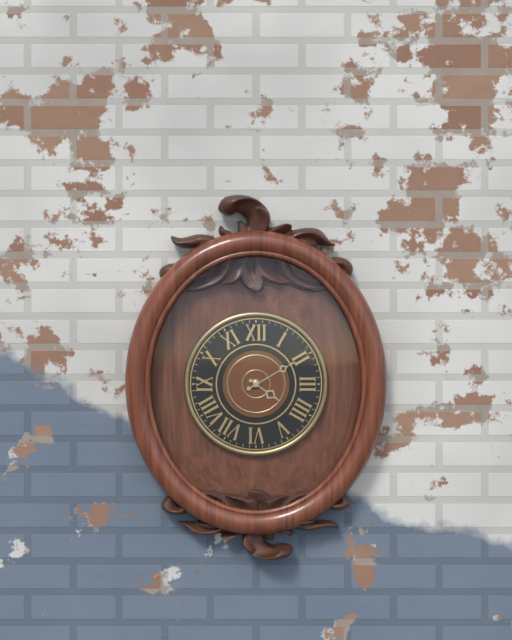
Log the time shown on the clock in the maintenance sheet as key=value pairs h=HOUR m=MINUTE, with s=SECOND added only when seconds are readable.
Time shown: h=4 m=10
